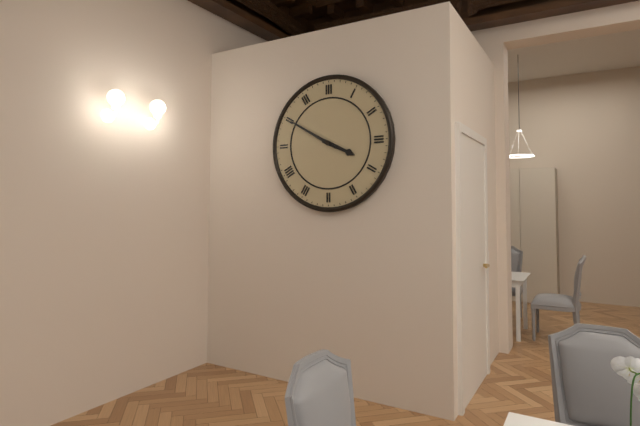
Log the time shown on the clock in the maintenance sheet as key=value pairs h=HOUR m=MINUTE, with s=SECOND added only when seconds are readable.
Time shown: h=3 m=50
